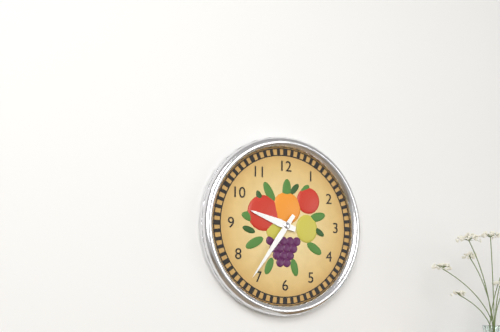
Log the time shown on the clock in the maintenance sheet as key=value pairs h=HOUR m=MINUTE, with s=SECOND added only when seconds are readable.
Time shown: h=9 m=36
